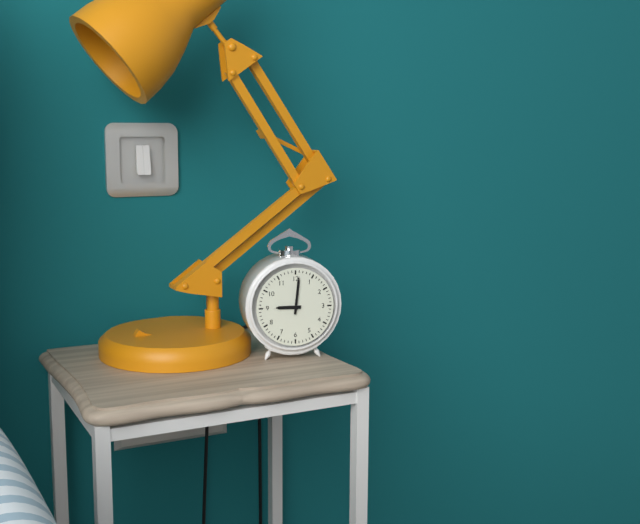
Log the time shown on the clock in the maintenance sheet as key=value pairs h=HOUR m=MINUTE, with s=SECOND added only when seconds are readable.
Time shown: h=9 m=1
